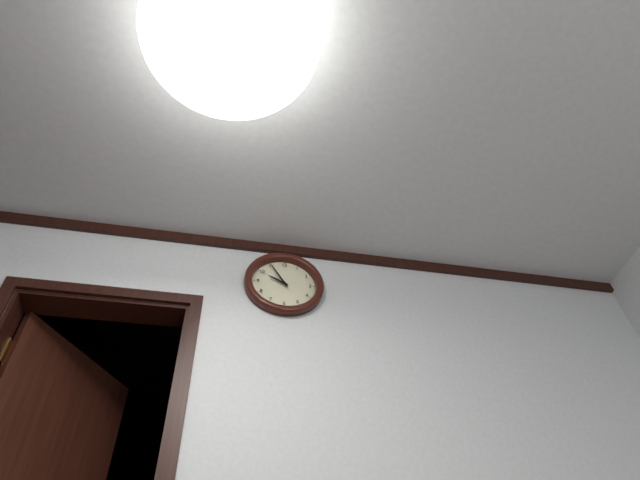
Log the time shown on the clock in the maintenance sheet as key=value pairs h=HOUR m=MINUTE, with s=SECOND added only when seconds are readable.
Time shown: h=9 m=55
